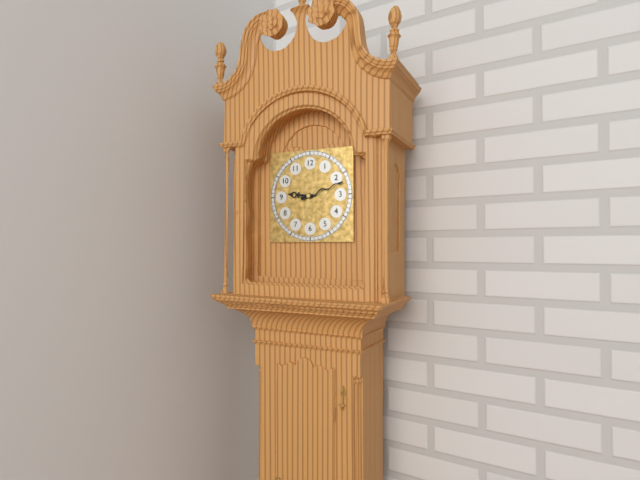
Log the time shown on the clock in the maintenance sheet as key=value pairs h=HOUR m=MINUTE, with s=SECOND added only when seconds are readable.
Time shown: h=9 m=12
